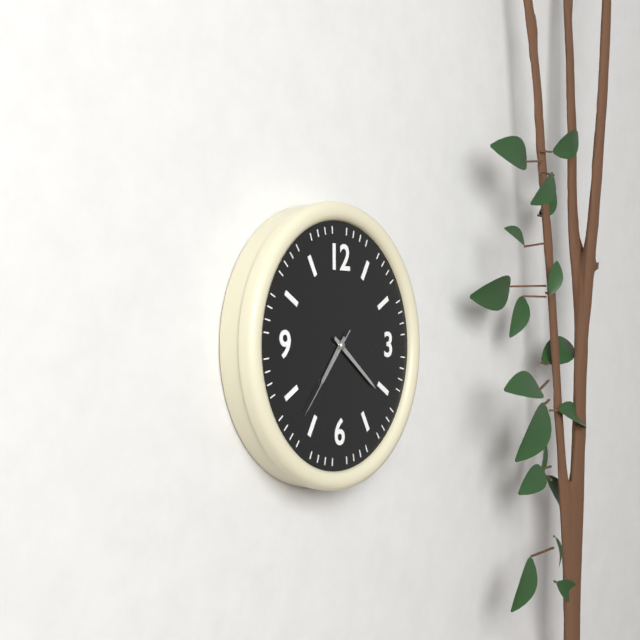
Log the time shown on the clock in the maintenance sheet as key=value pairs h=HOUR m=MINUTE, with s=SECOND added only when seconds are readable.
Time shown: h=7 m=21 s=37
